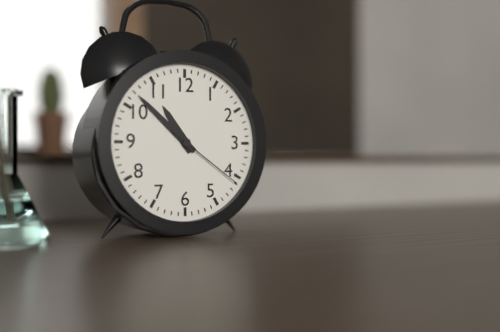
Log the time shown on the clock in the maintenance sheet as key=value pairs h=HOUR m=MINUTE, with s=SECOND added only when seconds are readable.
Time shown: h=10 m=52 s=21
